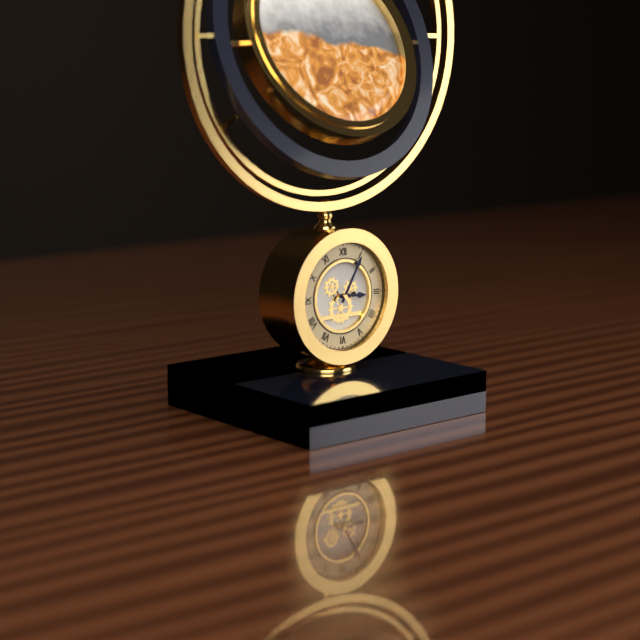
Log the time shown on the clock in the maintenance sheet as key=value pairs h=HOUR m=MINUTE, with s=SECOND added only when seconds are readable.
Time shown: h=3 m=5
